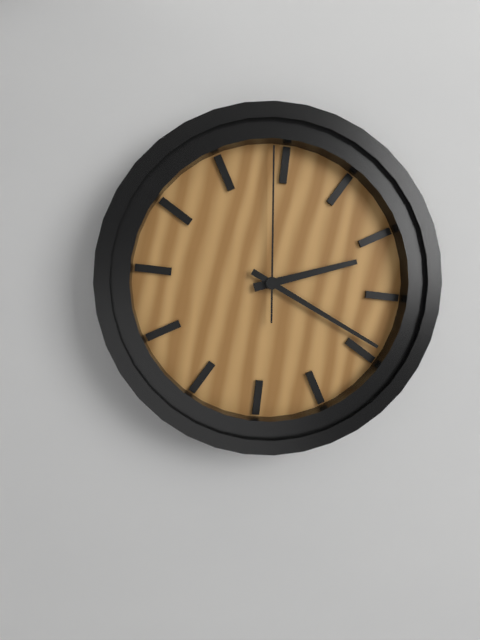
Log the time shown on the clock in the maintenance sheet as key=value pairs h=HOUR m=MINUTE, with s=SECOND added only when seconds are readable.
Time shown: h=2 m=19 s=59
